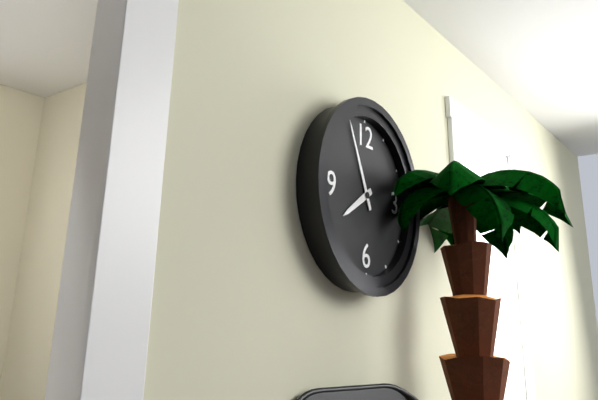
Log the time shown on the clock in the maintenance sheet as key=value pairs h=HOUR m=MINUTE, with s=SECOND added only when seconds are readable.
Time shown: h=7 m=56
